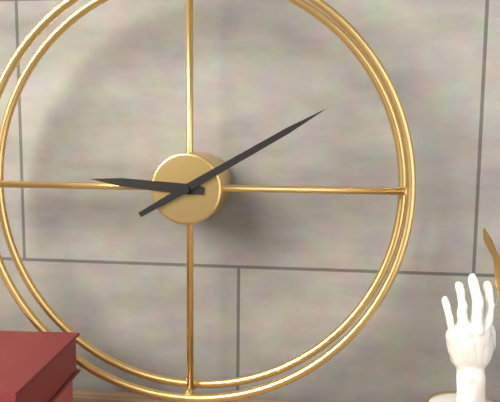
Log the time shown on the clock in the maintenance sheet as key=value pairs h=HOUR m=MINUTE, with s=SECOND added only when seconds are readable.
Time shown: h=9 m=10
